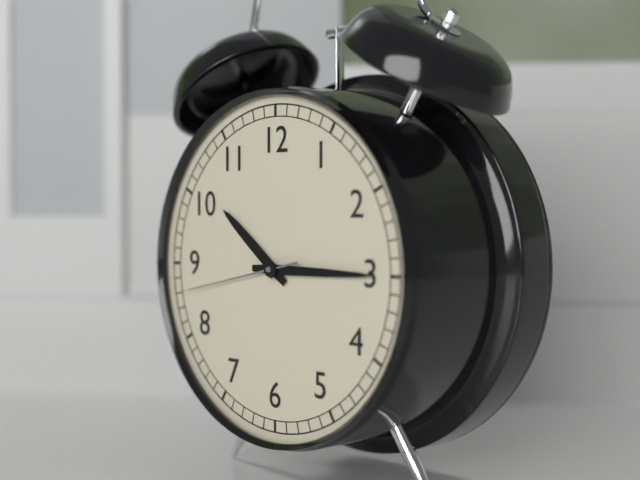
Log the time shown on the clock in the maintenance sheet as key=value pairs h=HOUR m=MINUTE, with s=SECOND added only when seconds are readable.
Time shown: h=10 m=15 s=43
